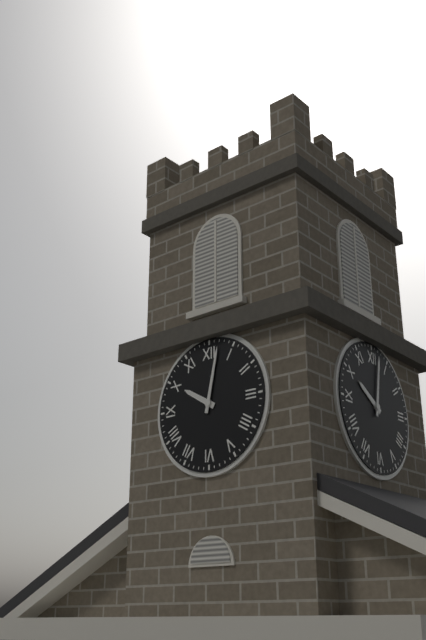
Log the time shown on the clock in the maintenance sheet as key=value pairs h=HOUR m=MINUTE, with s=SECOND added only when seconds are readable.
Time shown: h=10 m=2
